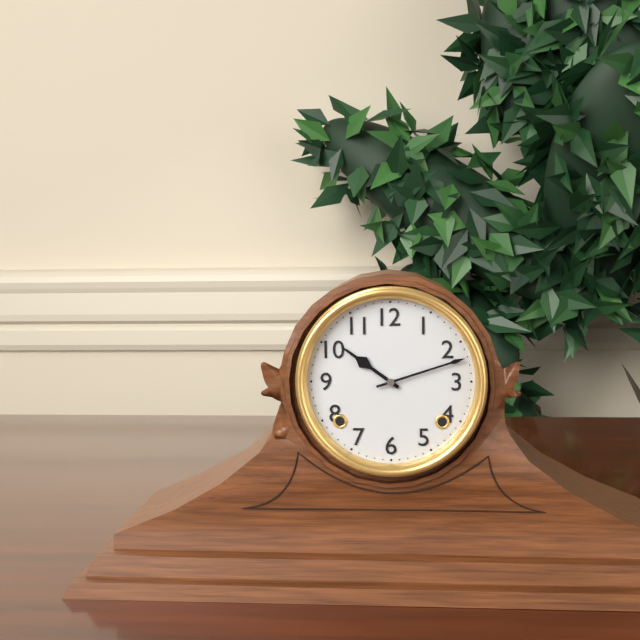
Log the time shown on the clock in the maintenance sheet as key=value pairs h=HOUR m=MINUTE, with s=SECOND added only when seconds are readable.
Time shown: h=10 m=12
